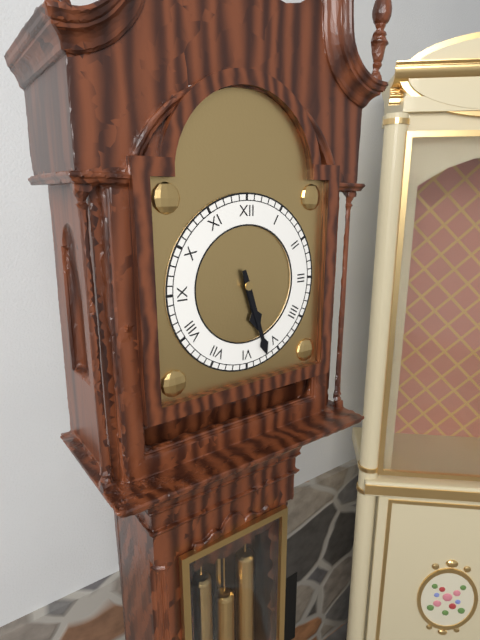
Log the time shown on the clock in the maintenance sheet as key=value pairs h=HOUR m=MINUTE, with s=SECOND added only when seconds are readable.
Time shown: h=5 m=27
